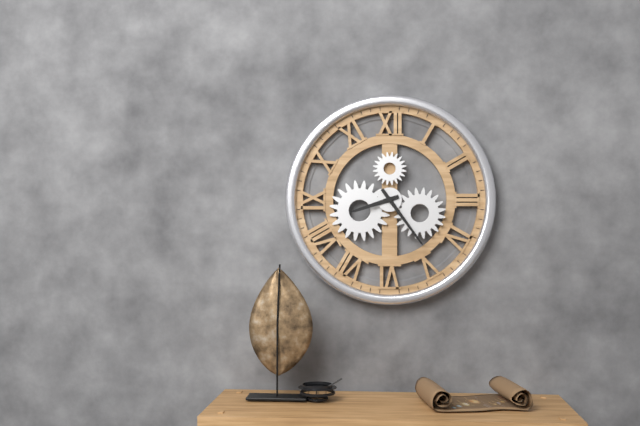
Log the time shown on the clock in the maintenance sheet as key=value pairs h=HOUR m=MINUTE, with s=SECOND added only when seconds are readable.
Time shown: h=8 m=24
